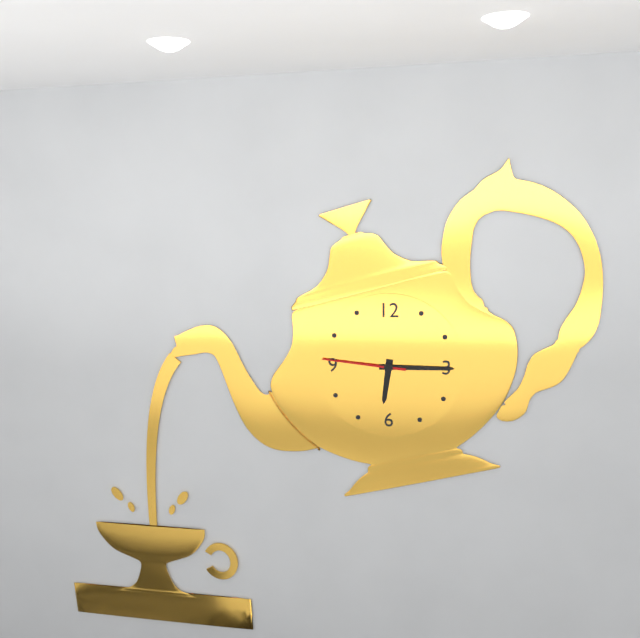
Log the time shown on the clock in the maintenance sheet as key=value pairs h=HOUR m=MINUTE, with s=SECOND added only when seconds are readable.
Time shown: h=6 m=15 s=46
